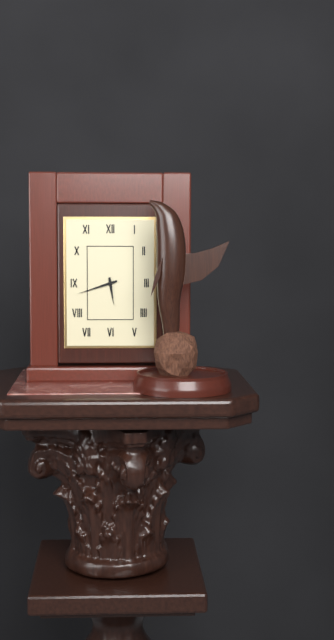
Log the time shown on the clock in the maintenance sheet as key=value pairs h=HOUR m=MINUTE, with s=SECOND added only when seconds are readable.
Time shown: h=5 m=42
